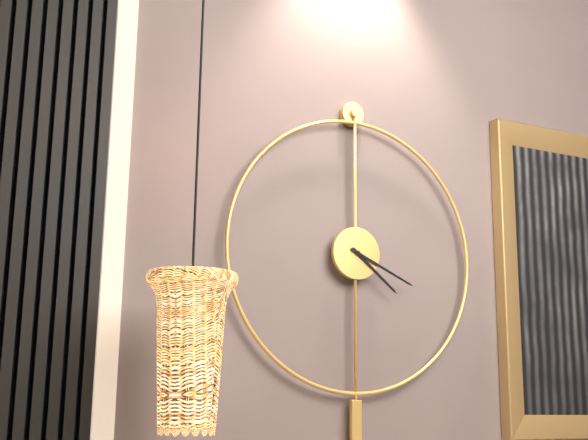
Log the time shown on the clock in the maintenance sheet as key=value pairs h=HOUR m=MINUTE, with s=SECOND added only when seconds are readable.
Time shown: h=4 m=19
